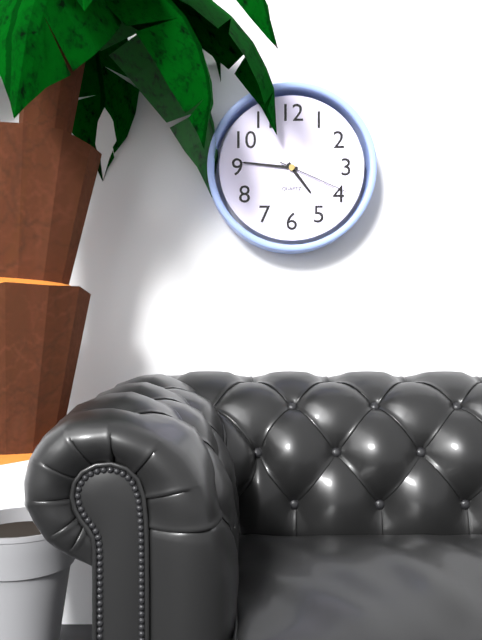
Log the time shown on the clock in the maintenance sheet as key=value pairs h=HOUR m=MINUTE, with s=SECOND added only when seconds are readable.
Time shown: h=4 m=46 s=19
